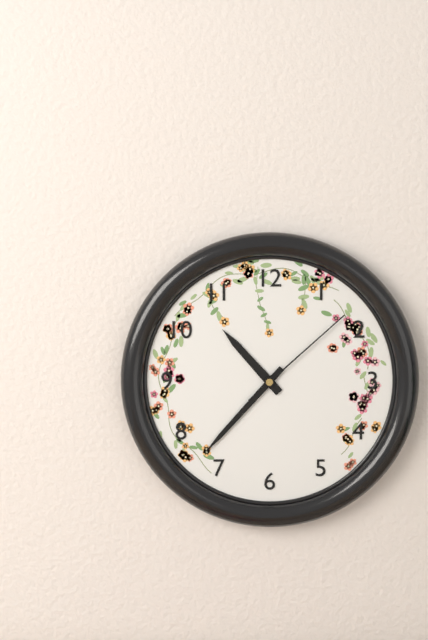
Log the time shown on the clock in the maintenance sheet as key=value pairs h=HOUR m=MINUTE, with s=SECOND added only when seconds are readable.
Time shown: h=10 m=37 s=8
